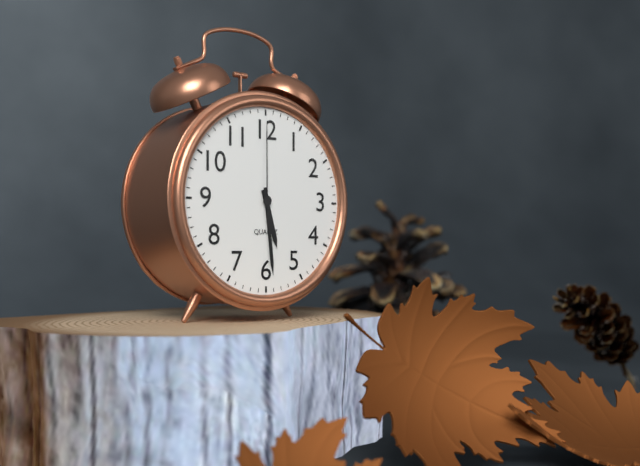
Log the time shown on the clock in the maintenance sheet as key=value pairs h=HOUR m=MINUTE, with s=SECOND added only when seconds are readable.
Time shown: h=5 m=29 s=0
